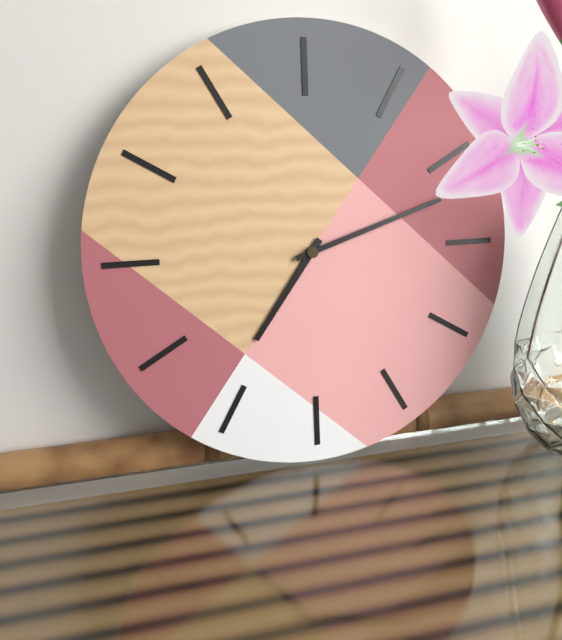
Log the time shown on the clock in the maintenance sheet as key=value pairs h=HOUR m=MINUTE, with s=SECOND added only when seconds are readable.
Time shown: h=7 m=12
